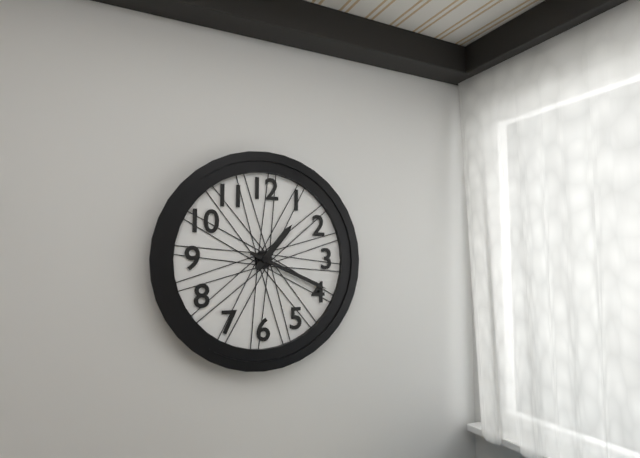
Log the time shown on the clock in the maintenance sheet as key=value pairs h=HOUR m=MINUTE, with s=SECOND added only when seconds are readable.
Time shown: h=1 m=19
